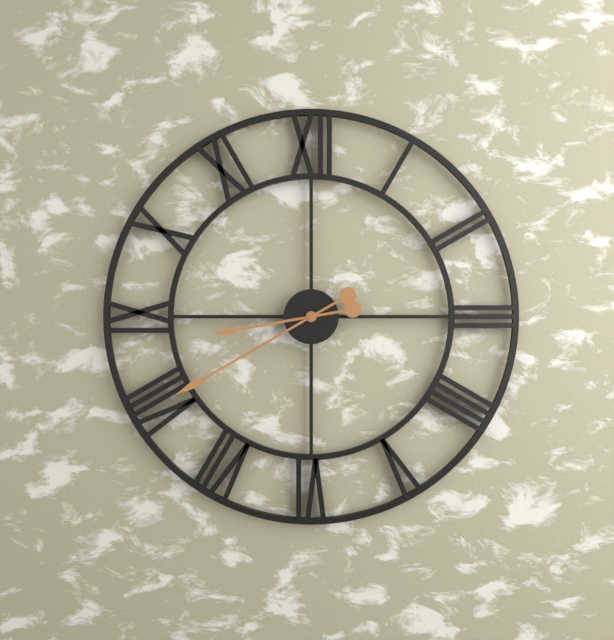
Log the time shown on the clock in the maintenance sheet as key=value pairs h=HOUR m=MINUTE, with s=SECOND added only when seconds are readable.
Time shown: h=8 m=40
